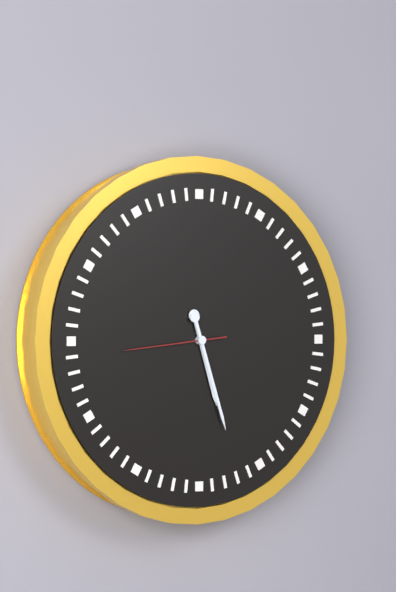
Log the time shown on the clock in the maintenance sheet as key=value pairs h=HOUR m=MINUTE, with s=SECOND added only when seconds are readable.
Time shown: h=5 m=27 s=44
